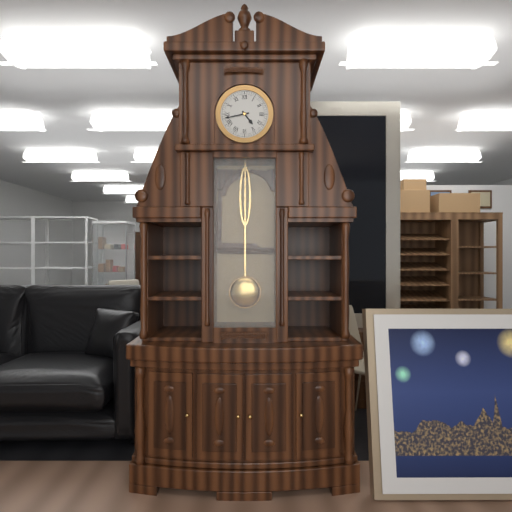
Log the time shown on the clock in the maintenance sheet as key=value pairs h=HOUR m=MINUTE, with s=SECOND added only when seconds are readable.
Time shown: h=4 m=43
